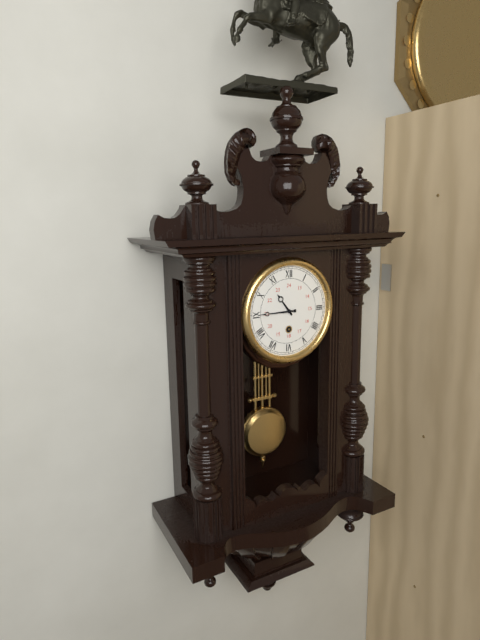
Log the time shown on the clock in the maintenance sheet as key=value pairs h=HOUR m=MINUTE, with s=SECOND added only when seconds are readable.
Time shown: h=10 m=45
